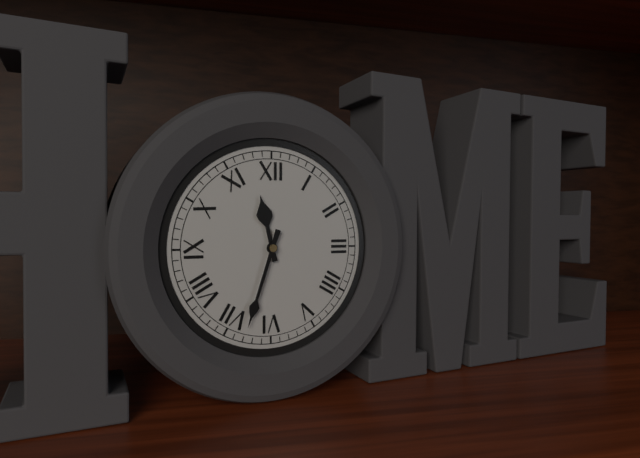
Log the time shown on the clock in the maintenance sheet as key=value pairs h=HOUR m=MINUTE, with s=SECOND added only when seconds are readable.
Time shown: h=11 m=33
